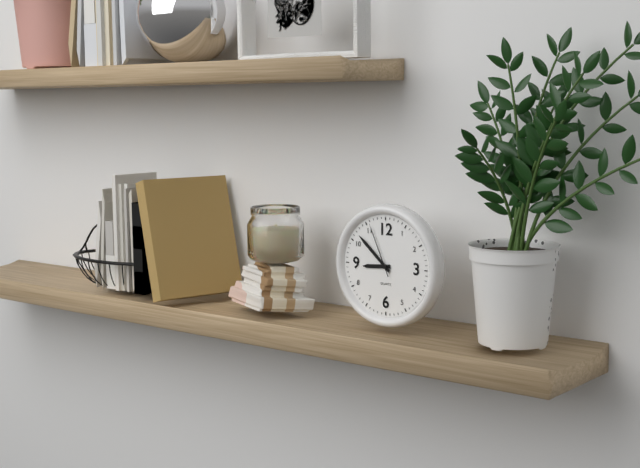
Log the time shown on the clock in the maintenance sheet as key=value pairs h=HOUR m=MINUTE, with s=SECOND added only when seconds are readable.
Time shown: h=8 m=52 s=56
